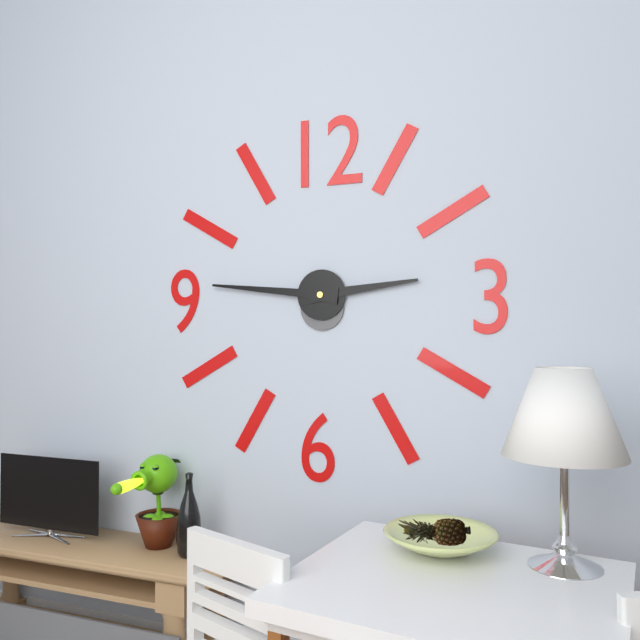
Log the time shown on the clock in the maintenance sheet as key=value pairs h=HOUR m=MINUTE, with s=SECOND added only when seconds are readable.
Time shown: h=2 m=46
